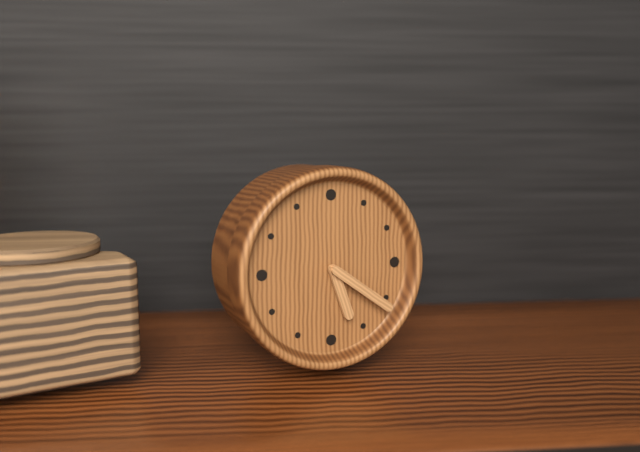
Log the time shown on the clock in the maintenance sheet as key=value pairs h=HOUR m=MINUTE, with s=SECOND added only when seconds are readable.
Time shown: h=5 m=21
